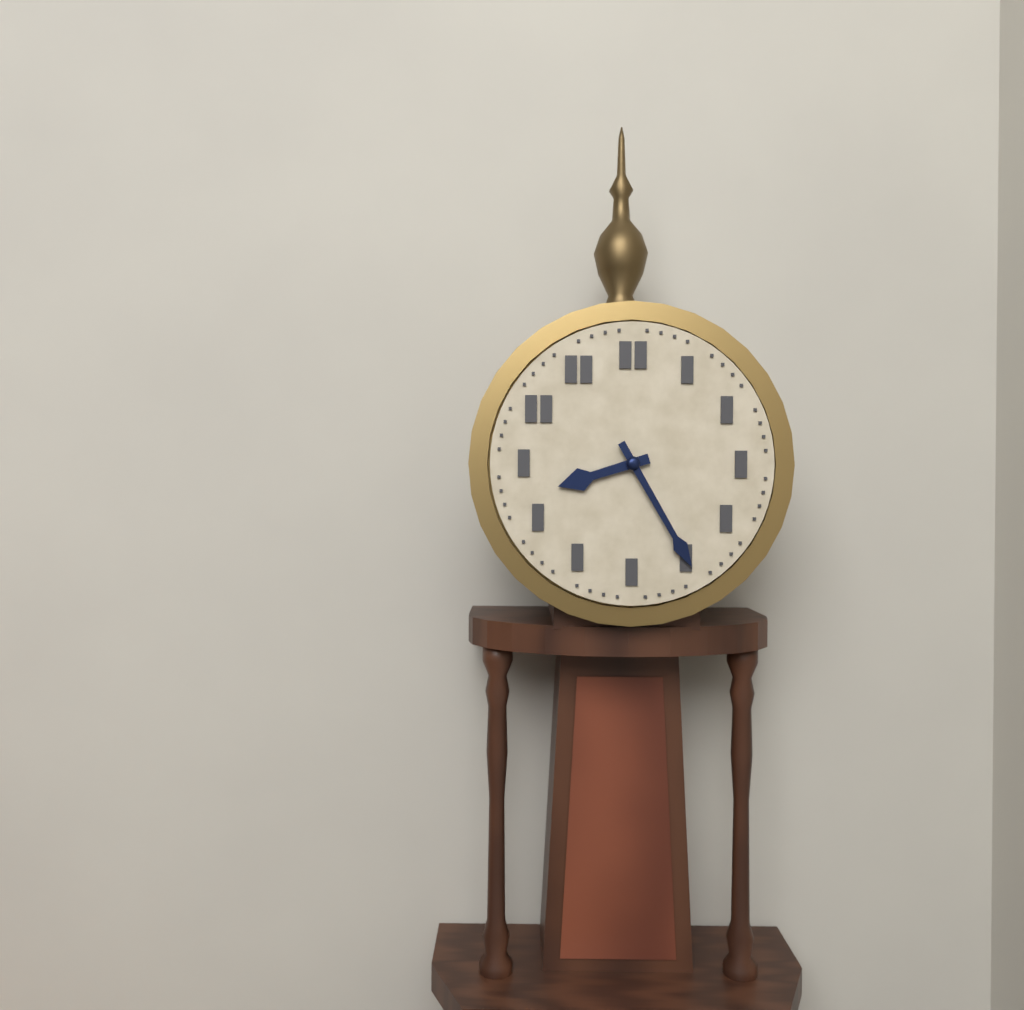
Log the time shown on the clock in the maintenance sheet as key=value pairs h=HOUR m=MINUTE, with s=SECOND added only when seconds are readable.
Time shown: h=8 m=25
